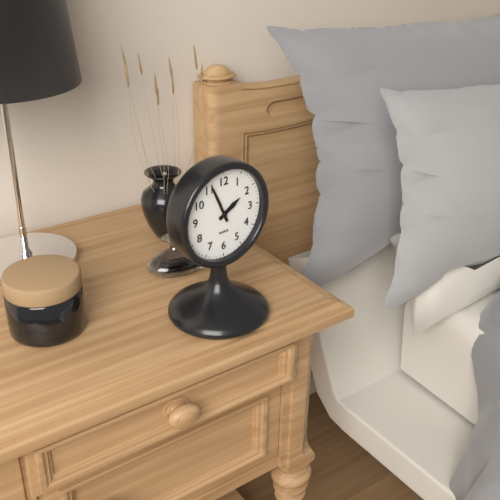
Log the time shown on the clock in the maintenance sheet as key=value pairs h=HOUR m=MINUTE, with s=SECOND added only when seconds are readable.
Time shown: h=1 m=56
